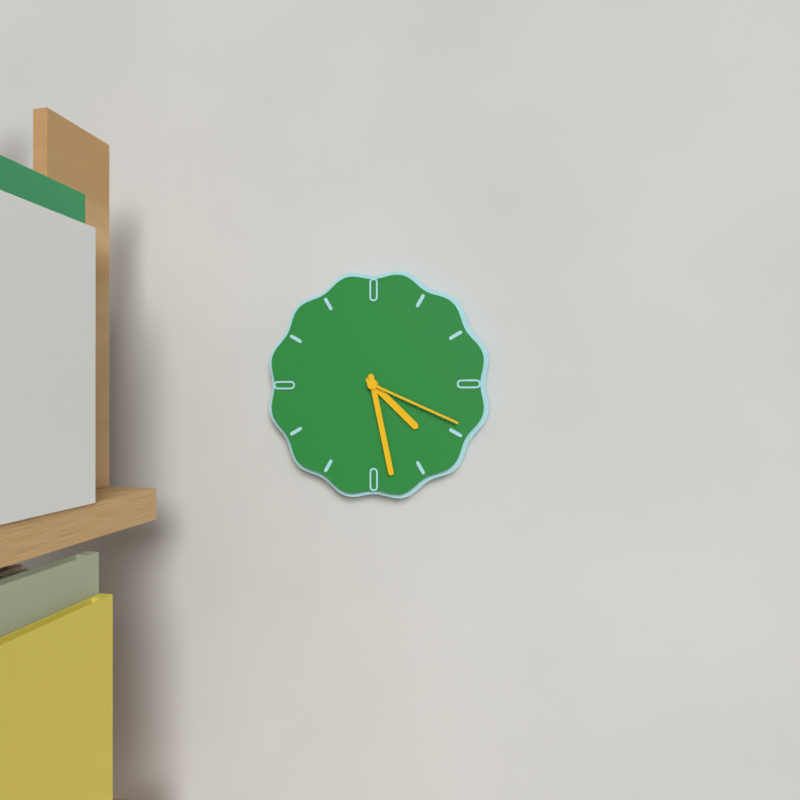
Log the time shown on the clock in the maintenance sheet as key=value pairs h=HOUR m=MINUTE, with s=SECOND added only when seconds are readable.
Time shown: h=4 m=28 s=19
